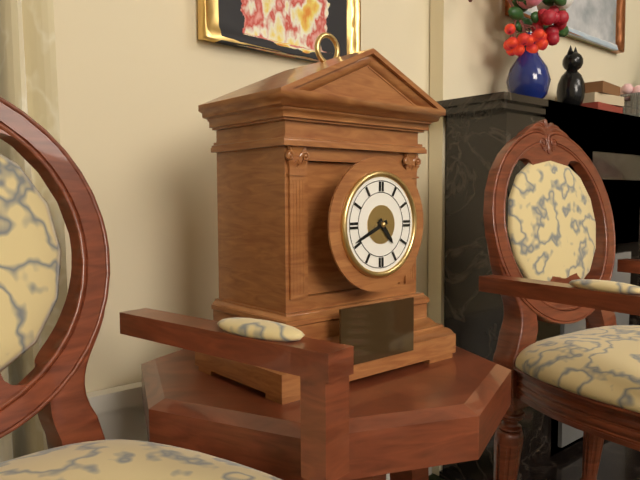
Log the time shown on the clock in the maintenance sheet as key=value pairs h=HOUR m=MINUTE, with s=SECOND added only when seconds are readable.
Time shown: h=4 m=41
